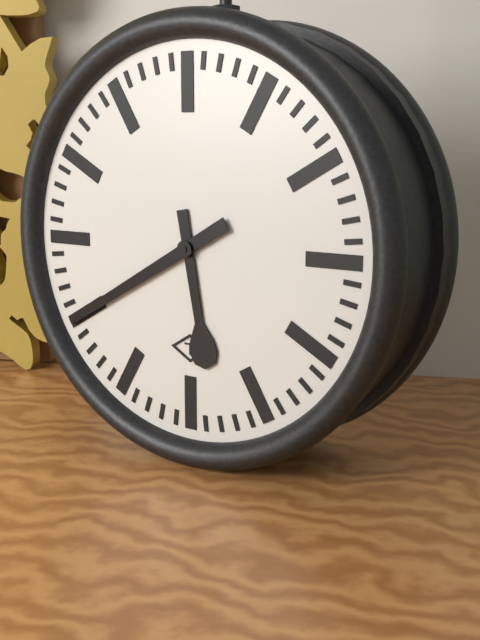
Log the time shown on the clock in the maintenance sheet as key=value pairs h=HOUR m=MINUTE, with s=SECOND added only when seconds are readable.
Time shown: h=5 m=40
